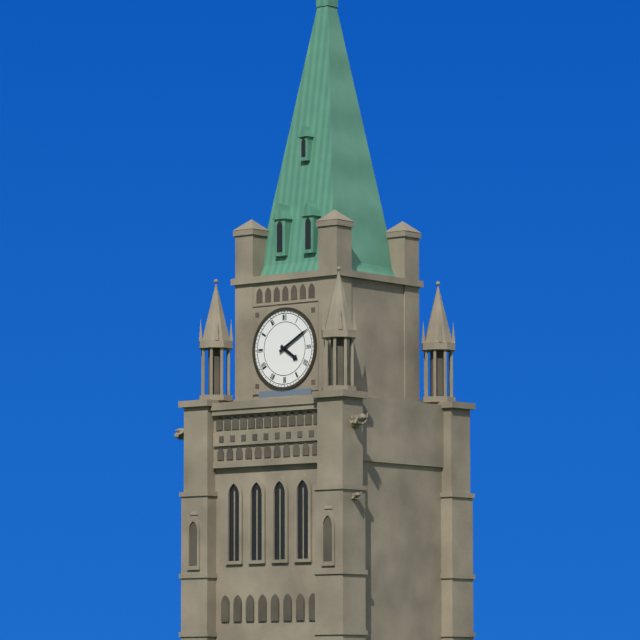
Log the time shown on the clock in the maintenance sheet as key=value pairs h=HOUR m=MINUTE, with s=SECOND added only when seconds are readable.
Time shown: h=4 m=10
